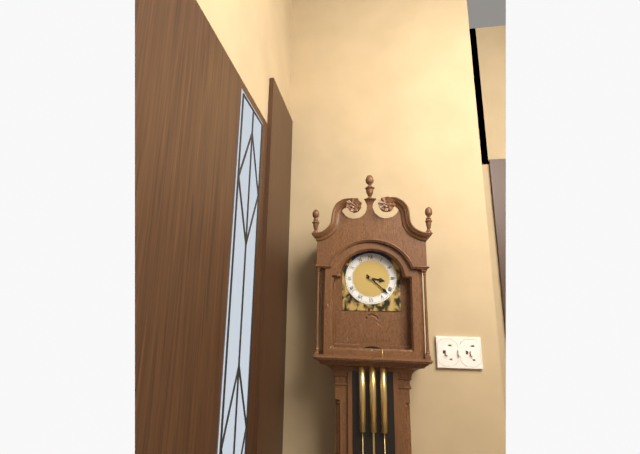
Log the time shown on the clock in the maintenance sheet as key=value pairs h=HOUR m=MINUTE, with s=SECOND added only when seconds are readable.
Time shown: h=3 m=22
